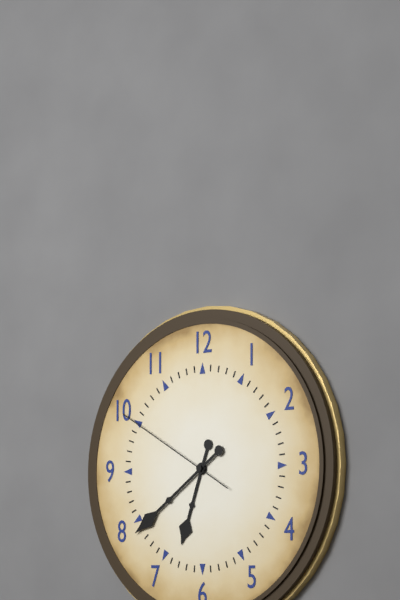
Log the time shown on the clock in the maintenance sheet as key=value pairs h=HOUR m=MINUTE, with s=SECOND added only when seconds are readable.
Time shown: h=6 m=39 s=50
